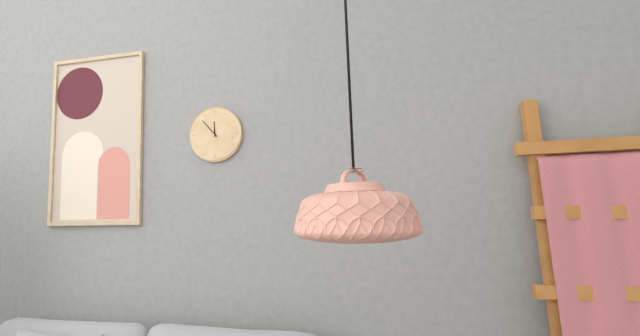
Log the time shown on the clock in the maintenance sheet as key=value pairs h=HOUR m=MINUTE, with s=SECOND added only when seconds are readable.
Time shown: h=11 m=53
